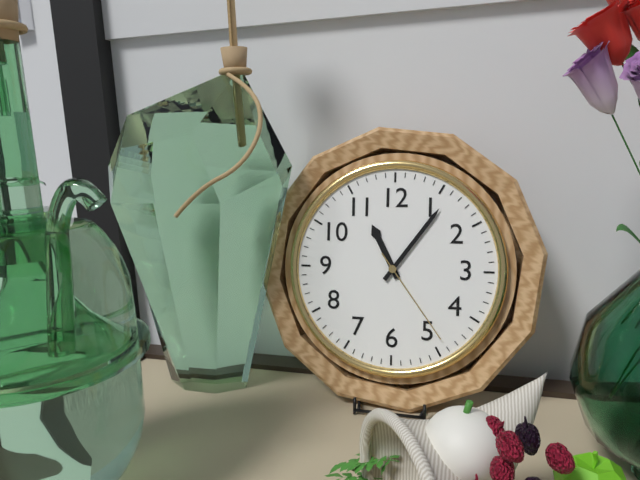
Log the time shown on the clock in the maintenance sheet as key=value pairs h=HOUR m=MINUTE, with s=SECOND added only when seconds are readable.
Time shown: h=11 m=6 s=24
